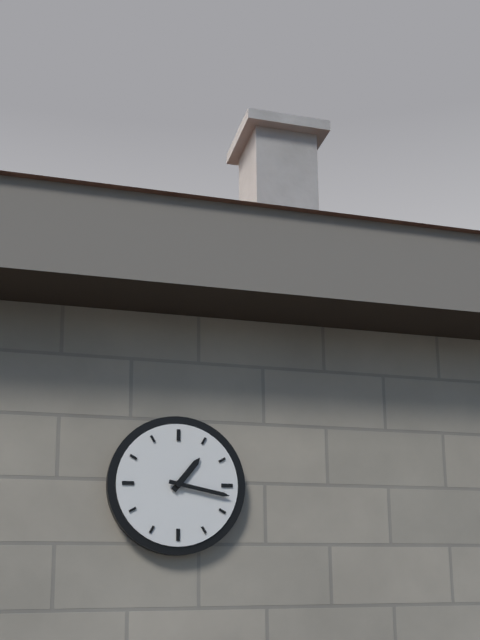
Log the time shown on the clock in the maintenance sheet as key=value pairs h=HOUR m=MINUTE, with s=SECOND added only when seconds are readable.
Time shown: h=1 m=17
